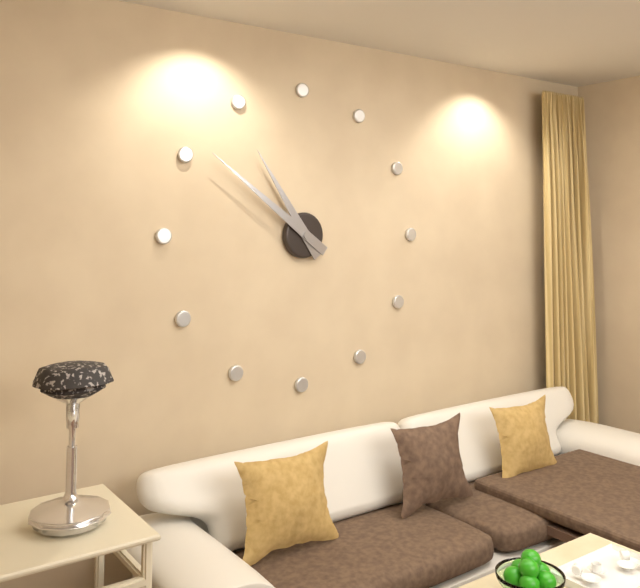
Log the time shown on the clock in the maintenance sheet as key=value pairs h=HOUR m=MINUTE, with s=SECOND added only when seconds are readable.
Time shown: h=10 m=51
